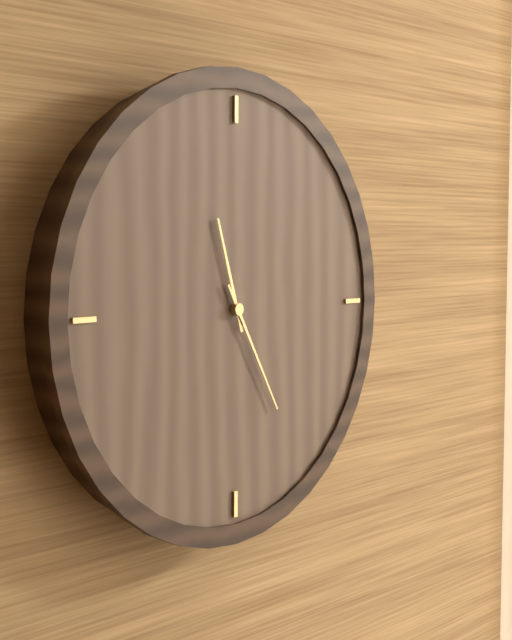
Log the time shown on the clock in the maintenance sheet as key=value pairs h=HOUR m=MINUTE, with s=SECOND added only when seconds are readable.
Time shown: h=11 m=25
